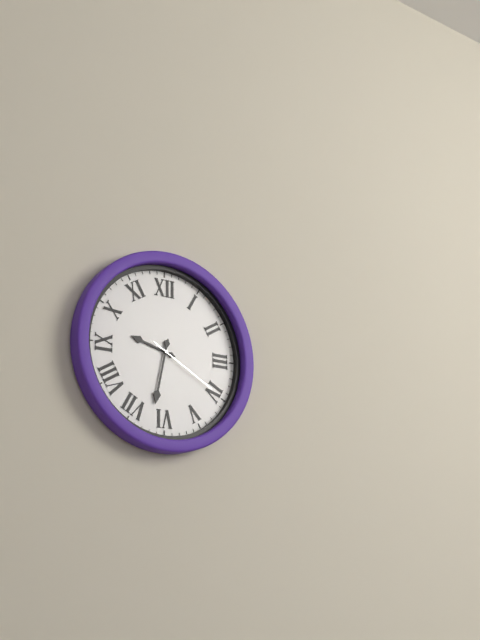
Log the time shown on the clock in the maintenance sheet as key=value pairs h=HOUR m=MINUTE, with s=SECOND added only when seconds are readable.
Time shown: h=9 m=32 s=20
